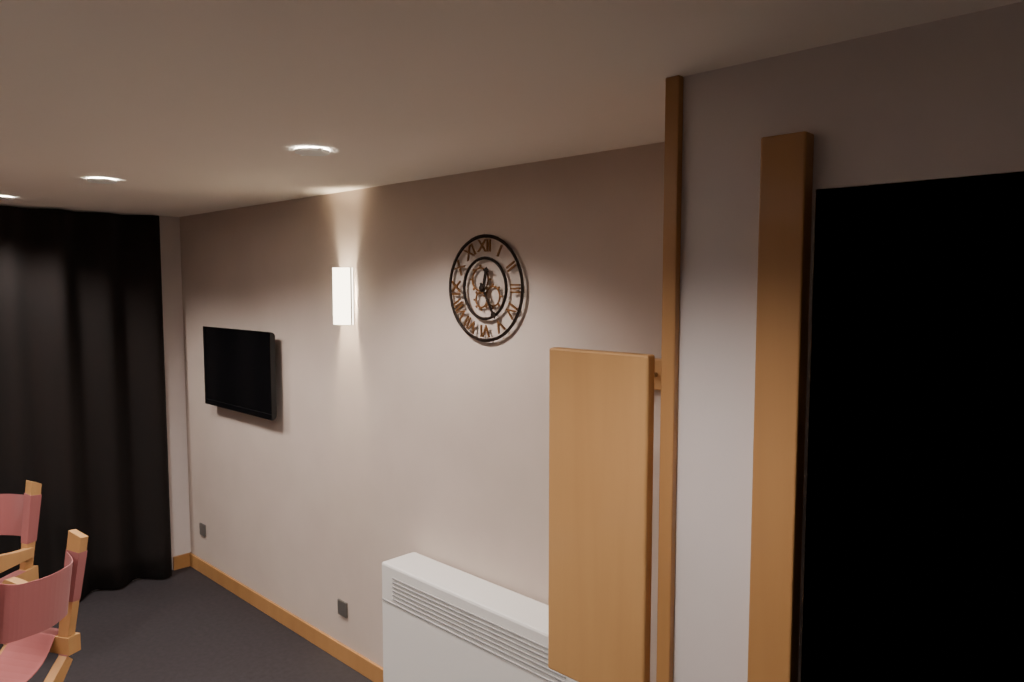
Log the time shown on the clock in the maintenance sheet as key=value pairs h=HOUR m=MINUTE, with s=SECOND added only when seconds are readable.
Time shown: h=12 m=25
